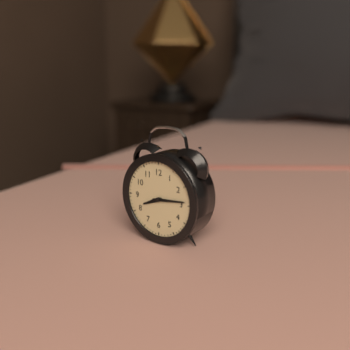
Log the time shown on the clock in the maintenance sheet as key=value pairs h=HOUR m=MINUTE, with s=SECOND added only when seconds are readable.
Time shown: h=8 m=14
